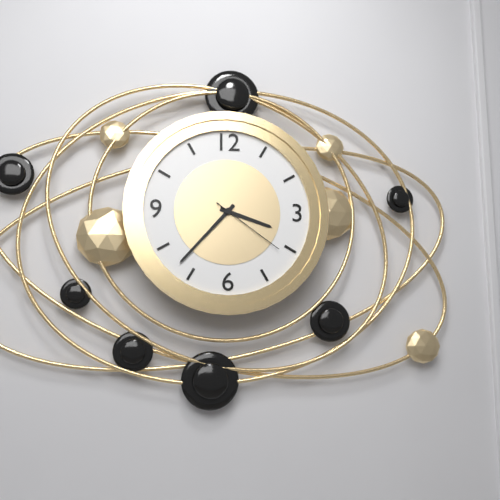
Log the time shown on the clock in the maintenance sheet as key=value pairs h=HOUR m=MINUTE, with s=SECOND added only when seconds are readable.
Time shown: h=3 m=37 s=21
